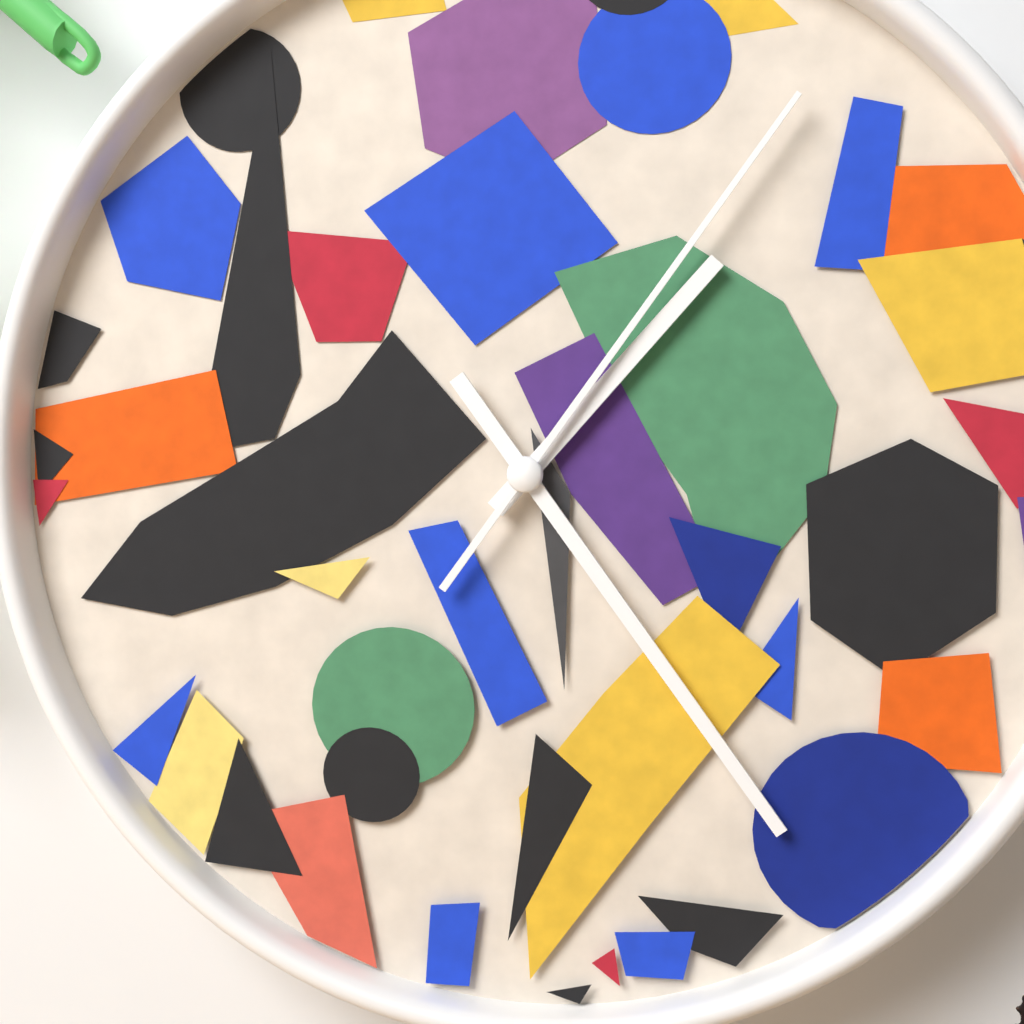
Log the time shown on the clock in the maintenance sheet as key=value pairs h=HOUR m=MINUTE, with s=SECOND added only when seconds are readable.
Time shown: h=1 m=24 s=6
